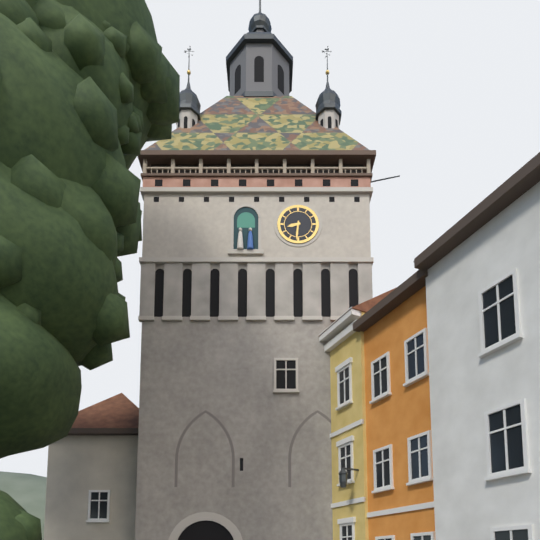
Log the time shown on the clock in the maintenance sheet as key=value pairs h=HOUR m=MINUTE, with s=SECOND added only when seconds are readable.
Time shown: h=8 m=31
